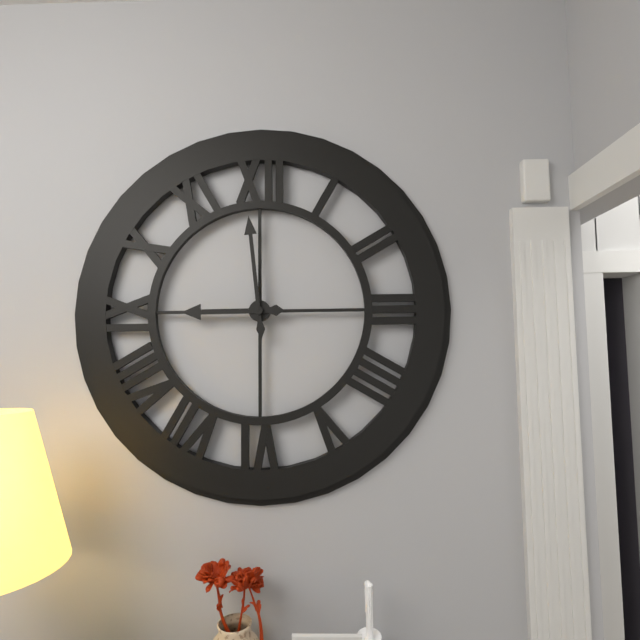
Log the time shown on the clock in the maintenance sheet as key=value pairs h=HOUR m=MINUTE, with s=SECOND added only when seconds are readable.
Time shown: h=8 m=59
